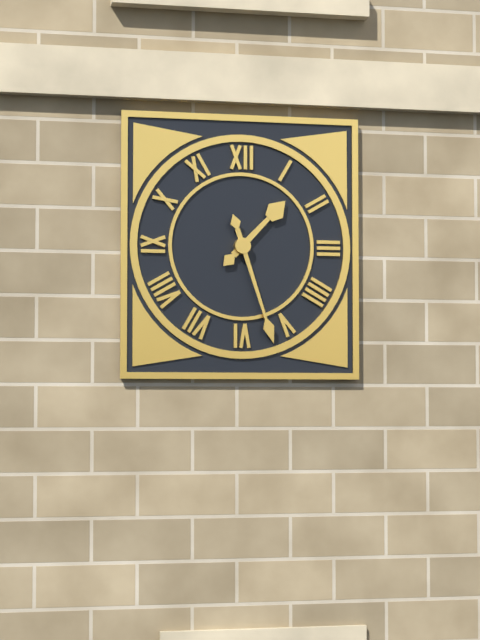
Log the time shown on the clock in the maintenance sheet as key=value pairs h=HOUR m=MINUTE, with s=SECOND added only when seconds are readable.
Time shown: h=1 m=27
